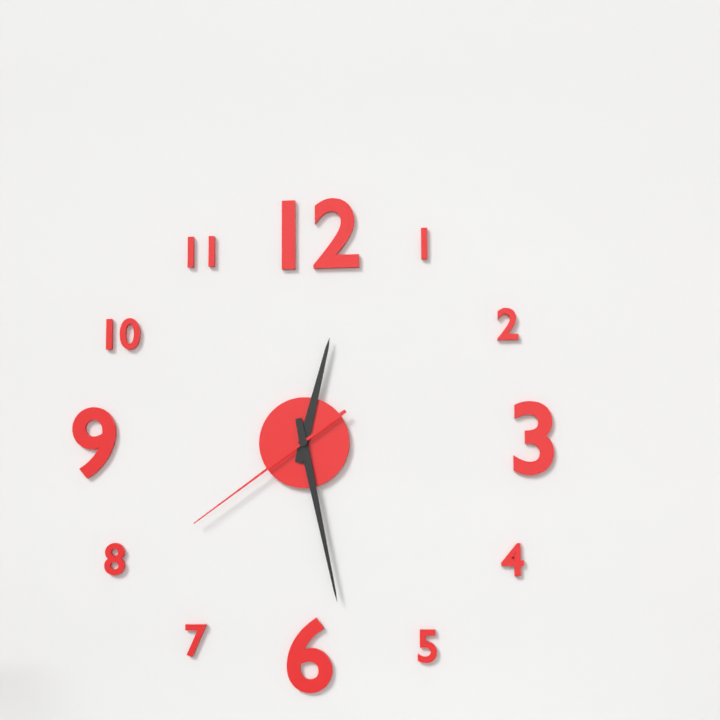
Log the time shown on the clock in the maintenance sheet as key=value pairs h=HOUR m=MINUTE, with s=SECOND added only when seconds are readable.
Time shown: h=12 m=28 s=39
